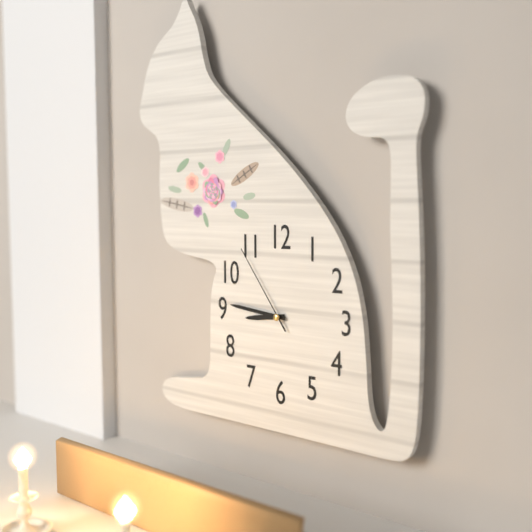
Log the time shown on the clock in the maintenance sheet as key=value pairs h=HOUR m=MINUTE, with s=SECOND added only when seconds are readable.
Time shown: h=8 m=46 s=54
